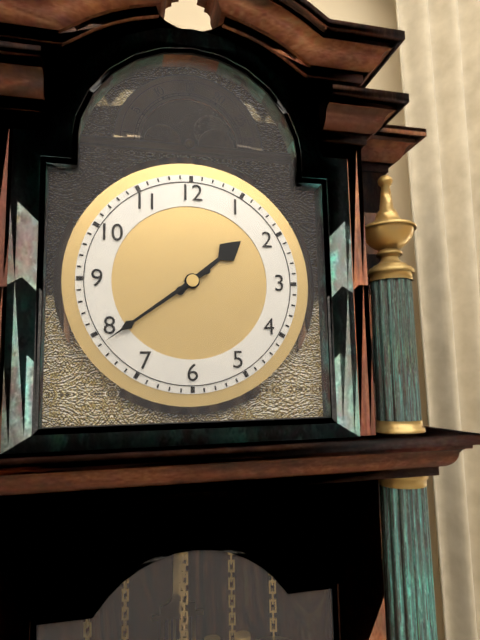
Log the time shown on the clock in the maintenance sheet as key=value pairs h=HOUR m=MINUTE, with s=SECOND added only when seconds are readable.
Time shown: h=1 m=39
